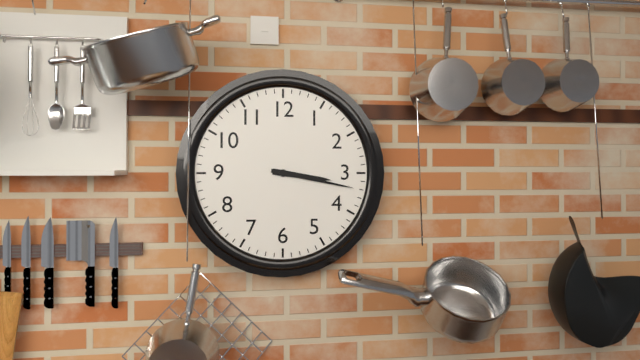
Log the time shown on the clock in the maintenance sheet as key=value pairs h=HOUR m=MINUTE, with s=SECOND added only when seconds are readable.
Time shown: h=3 m=17
